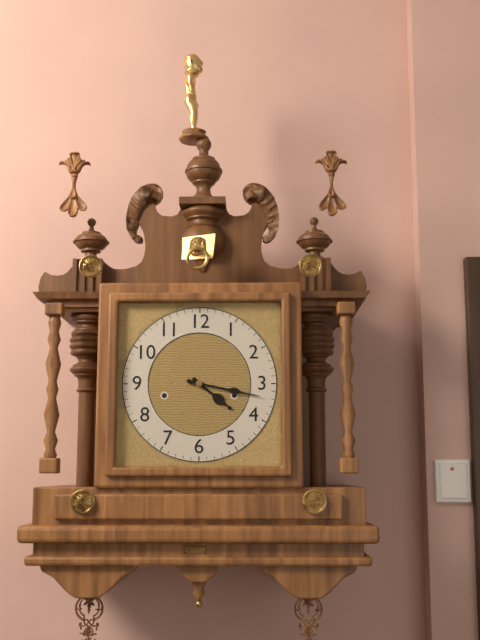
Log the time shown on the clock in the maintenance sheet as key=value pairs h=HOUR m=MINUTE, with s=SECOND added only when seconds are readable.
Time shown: h=4 m=17
